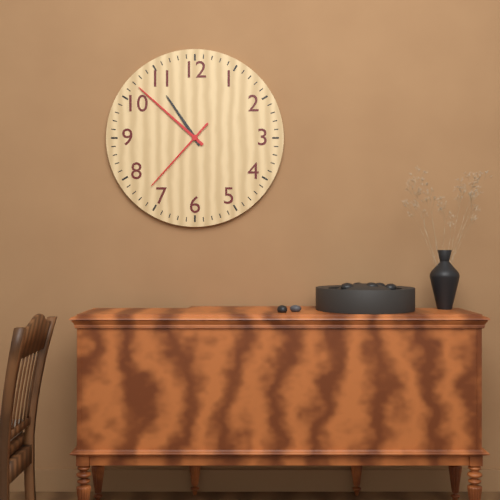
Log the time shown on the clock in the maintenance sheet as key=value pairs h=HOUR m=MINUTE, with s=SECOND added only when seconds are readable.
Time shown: h=10 m=52 s=37
